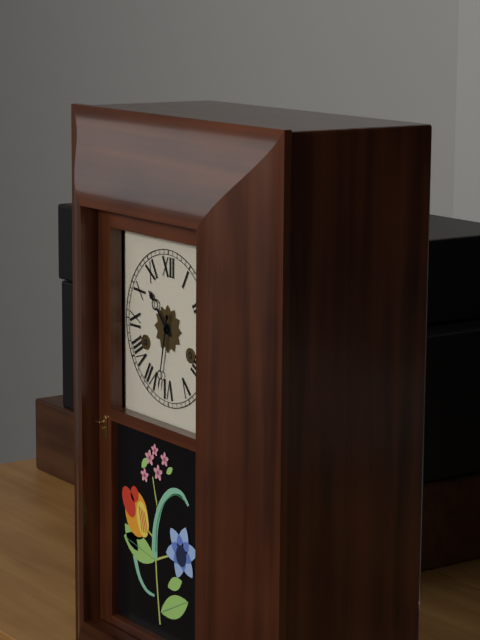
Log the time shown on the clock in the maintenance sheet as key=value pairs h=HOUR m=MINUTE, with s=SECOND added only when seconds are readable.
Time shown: h=10 m=32
